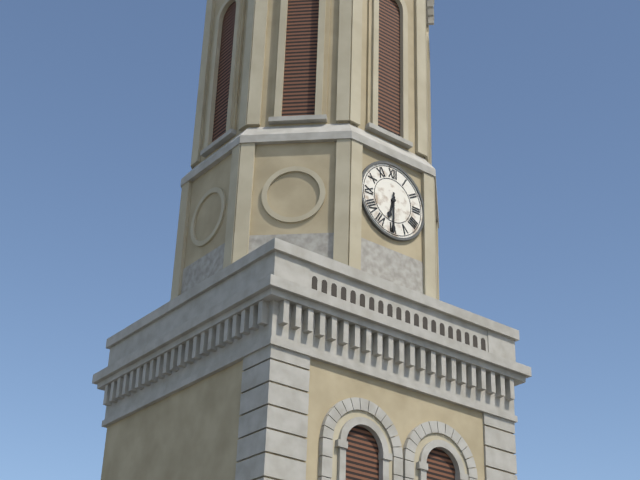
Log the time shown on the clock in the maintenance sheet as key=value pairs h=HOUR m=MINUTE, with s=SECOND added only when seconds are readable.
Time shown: h=6 m=30
